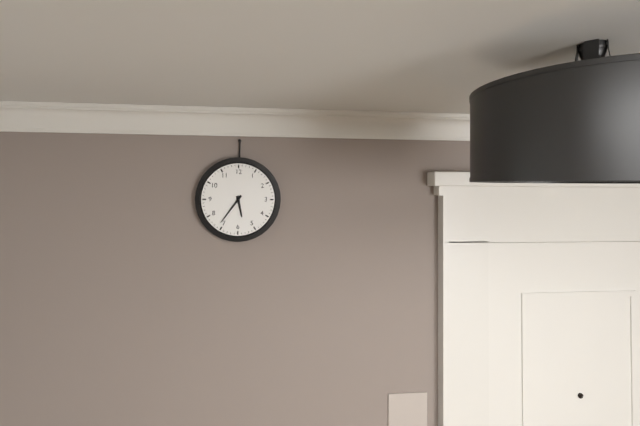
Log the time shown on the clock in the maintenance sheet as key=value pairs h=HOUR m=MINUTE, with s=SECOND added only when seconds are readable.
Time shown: h=5 m=36
